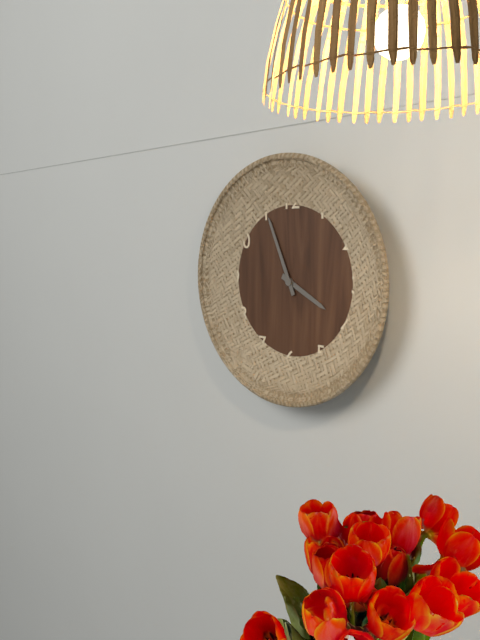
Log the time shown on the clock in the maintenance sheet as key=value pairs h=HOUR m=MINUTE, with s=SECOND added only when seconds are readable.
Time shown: h=3 m=56
